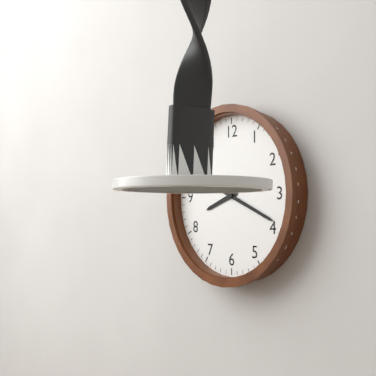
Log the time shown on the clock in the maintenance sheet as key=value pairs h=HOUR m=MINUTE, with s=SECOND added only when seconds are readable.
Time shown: h=8 m=19
